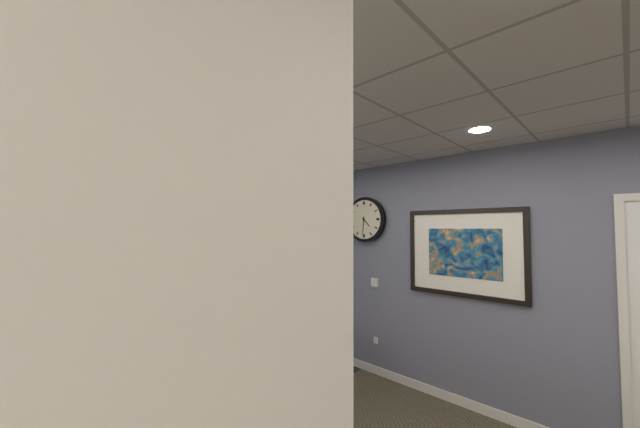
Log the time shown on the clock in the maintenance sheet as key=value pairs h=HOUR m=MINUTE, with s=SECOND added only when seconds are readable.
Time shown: h=4 m=31
